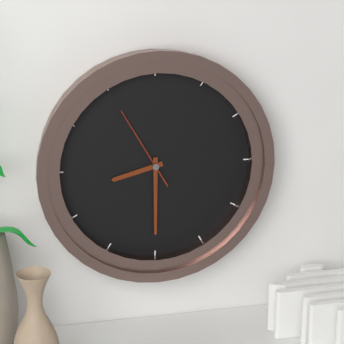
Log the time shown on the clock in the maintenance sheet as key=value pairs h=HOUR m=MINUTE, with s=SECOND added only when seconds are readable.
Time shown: h=8 m=30 s=55
